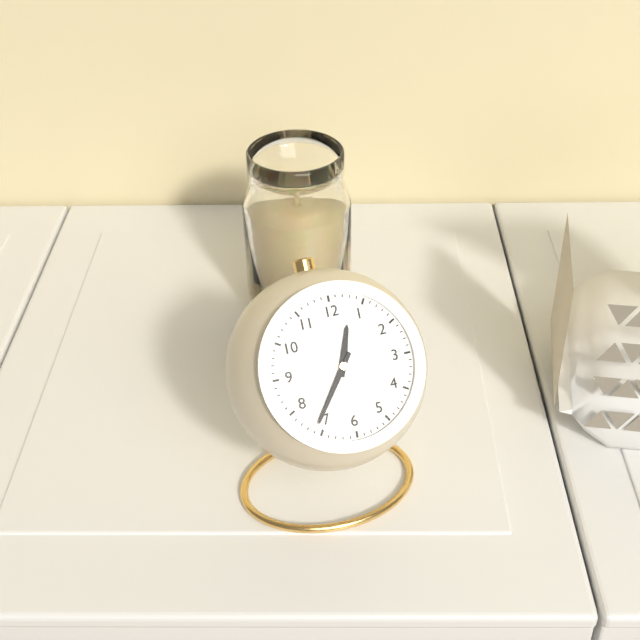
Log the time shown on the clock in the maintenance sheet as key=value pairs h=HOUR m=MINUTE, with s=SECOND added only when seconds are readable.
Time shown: h=12 m=36
